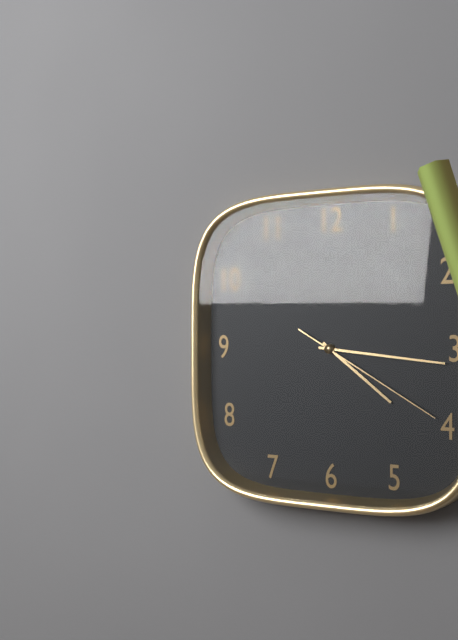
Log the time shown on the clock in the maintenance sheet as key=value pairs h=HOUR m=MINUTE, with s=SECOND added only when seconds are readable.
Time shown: h=4 m=16 s=20
